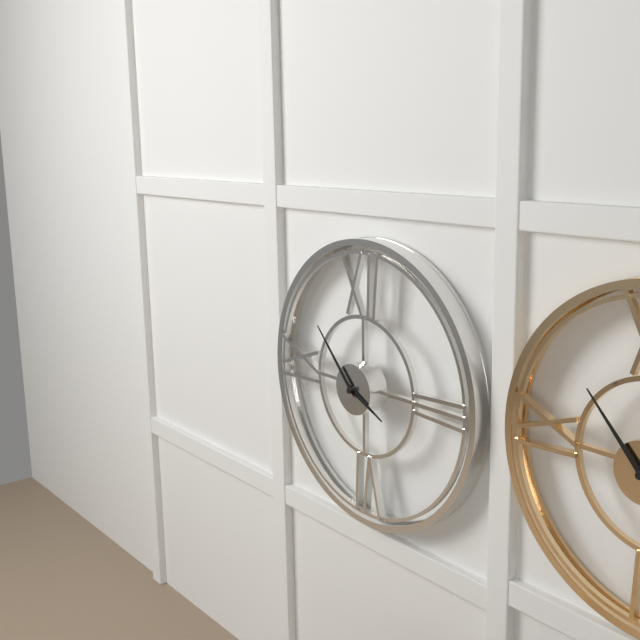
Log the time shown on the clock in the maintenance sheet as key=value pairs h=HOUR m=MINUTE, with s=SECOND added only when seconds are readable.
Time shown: h=3 m=53
